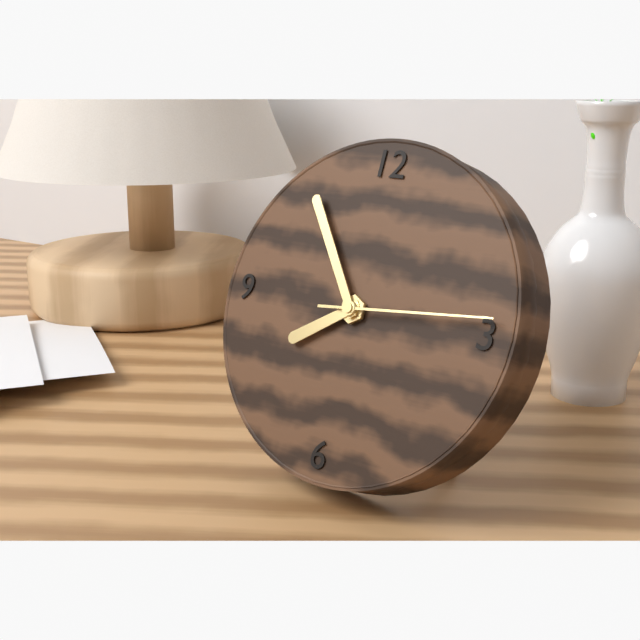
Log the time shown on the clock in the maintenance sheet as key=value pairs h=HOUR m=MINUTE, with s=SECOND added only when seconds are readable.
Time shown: h=7 m=54 s=14
